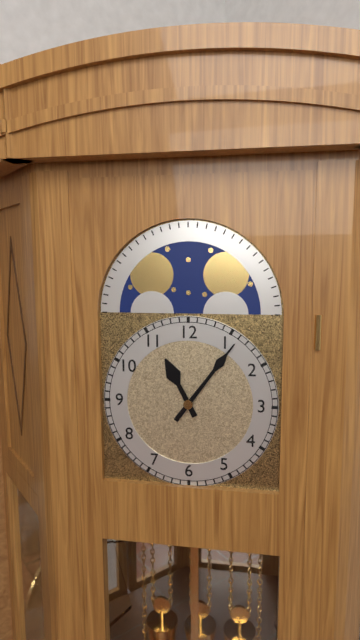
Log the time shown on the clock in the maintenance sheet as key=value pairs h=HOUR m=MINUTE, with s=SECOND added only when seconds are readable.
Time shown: h=11 m=6
